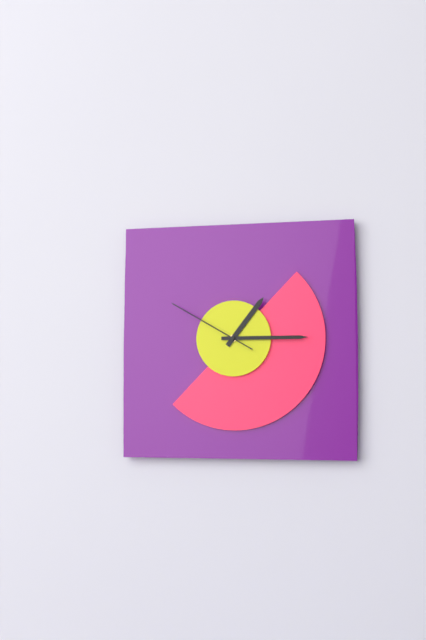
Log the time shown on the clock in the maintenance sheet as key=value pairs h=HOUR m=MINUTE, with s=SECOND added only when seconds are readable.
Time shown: h=1 m=15 s=50
